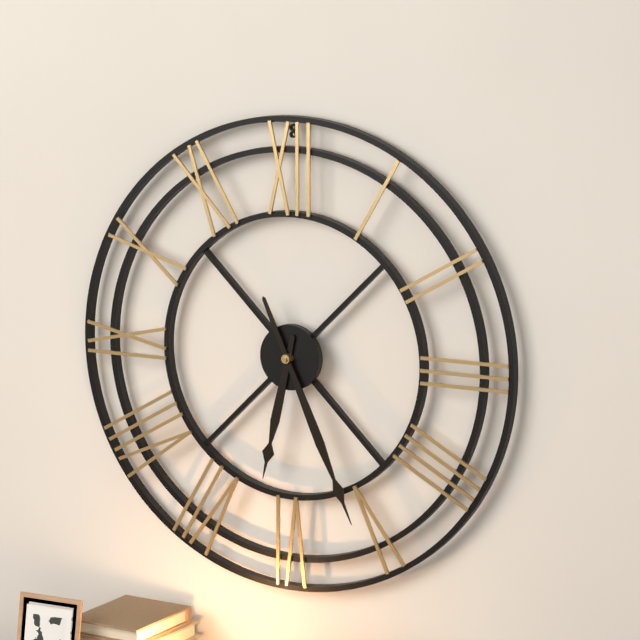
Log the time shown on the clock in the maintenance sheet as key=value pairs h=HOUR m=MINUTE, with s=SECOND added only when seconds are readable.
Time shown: h=6 m=26
